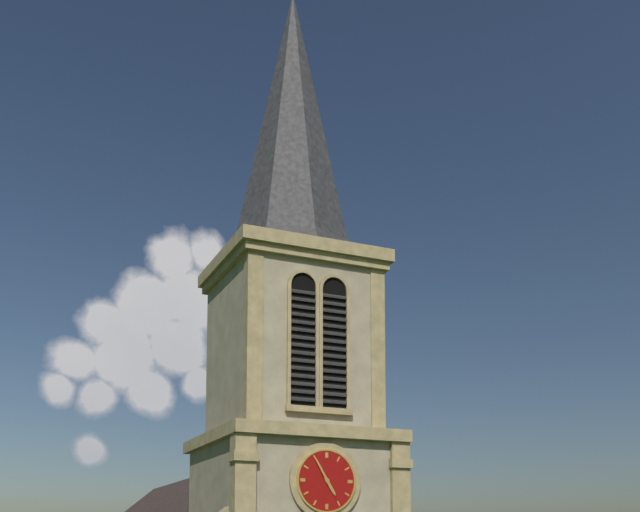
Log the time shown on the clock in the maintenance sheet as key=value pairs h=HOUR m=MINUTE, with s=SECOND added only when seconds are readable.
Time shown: h=4 m=55
